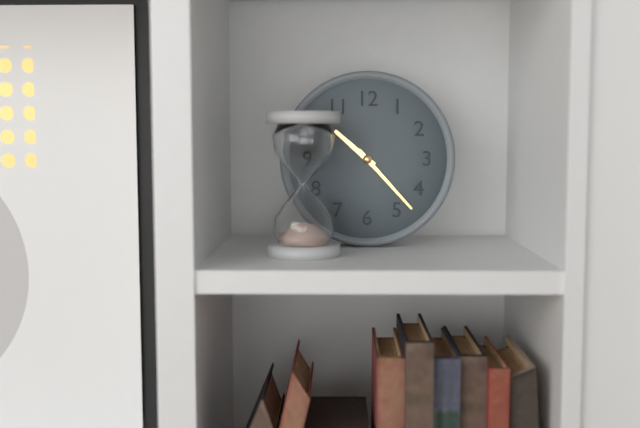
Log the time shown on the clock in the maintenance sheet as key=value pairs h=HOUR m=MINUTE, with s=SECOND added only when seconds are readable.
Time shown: h=10 m=23
